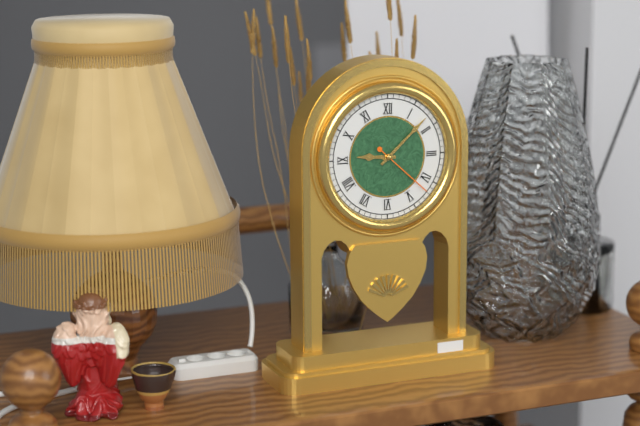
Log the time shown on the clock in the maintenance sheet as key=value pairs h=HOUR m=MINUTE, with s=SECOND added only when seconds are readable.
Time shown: h=9 m=8 s=22
